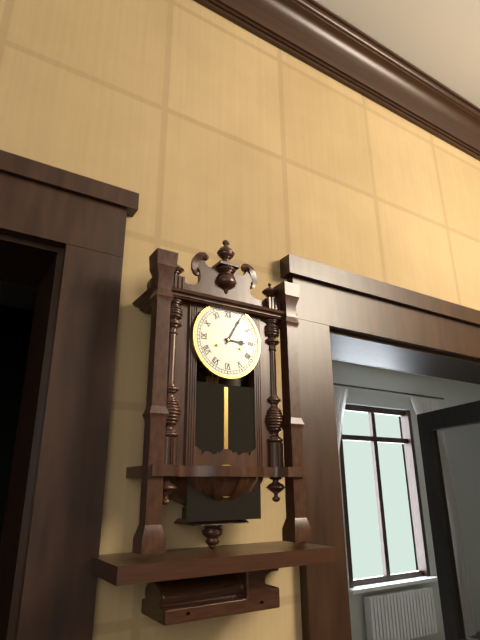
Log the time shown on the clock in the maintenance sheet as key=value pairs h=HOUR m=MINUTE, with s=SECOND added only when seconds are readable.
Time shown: h=3 m=5
